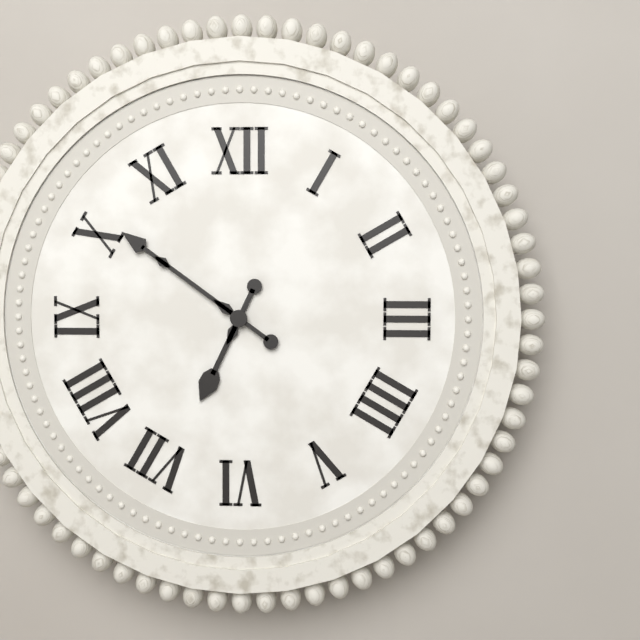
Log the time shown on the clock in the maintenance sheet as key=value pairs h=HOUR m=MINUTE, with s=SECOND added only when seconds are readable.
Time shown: h=6 m=51
